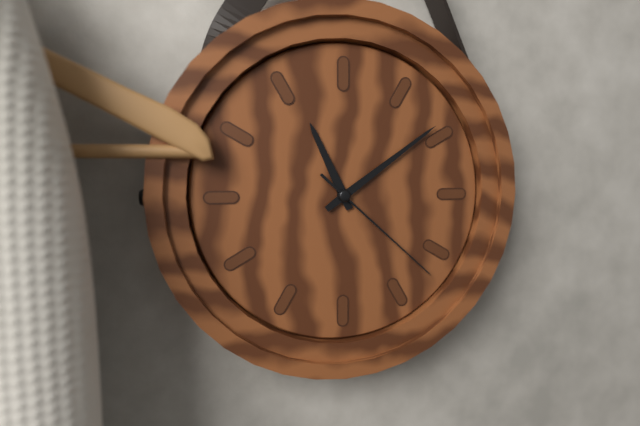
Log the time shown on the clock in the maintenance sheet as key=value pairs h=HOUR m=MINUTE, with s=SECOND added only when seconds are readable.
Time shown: h=11 m=9 s=22
